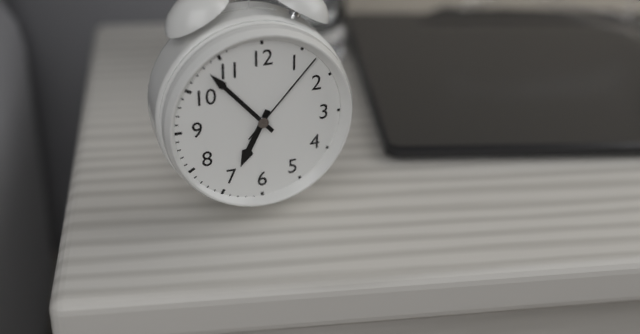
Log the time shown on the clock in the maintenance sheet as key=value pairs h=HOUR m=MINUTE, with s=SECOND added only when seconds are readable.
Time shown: h=6 m=53 s=7
